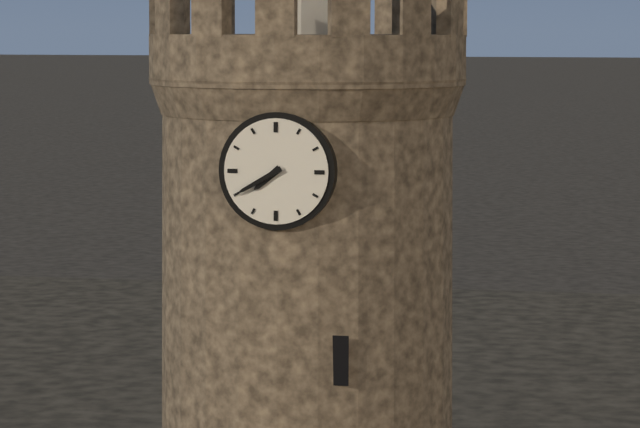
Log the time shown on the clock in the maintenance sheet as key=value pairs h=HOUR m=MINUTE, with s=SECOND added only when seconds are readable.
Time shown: h=7 m=40
